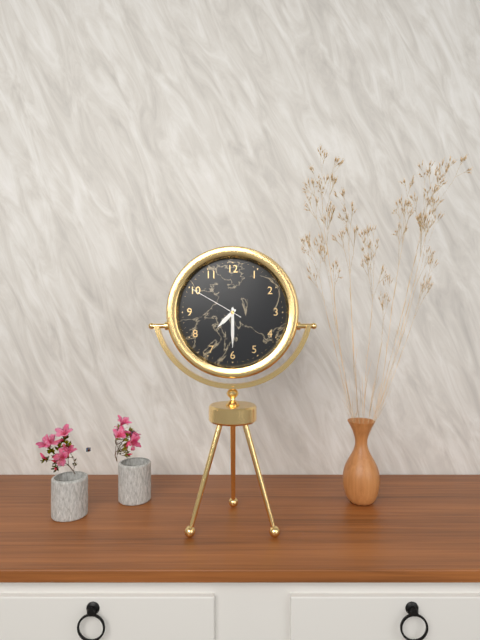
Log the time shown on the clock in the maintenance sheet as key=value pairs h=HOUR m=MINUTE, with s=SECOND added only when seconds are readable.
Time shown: h=7 m=30 s=50
